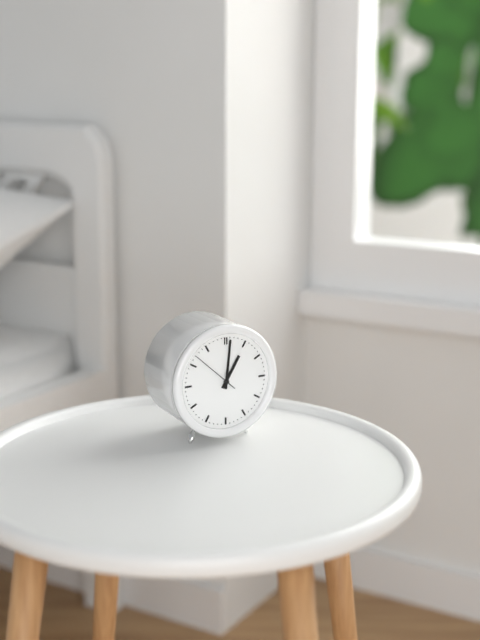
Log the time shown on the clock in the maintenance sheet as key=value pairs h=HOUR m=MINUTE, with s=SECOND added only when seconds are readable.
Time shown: h=1 m=1
